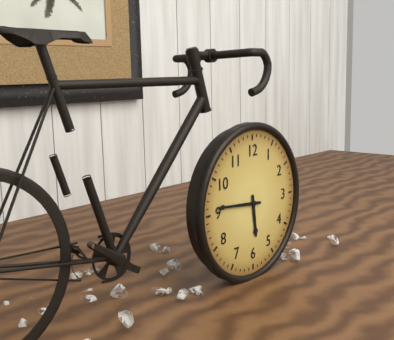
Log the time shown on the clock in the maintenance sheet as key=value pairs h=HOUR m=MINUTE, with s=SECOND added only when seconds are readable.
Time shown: h=5 m=46
